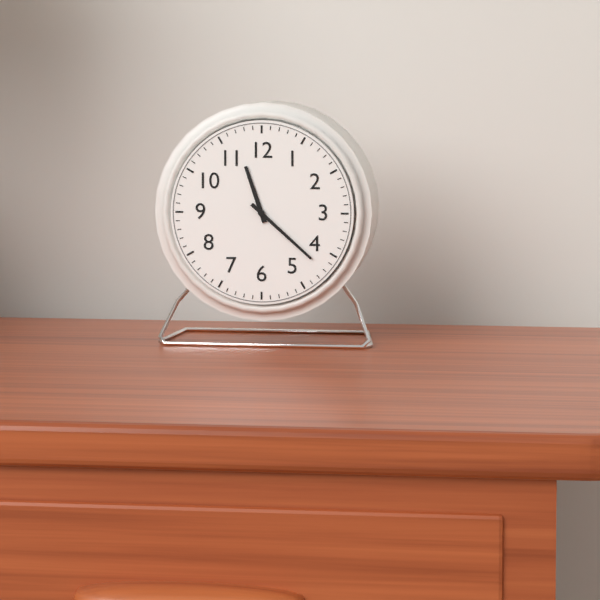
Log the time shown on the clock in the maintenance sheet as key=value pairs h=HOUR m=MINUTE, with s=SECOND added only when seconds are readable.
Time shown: h=11 m=22
